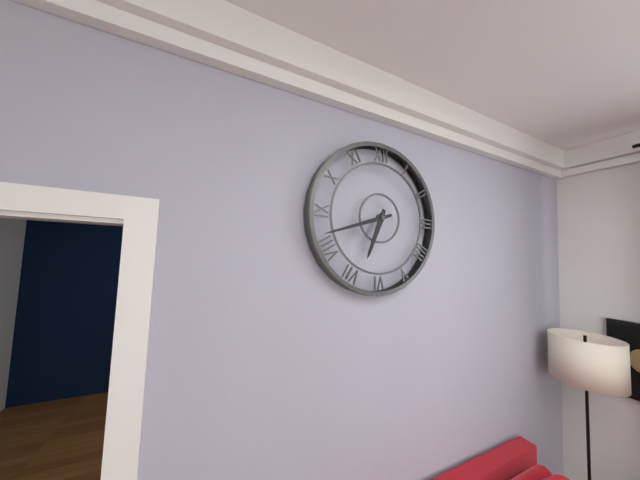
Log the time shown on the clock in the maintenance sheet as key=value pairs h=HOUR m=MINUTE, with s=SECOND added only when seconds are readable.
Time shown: h=6 m=42
